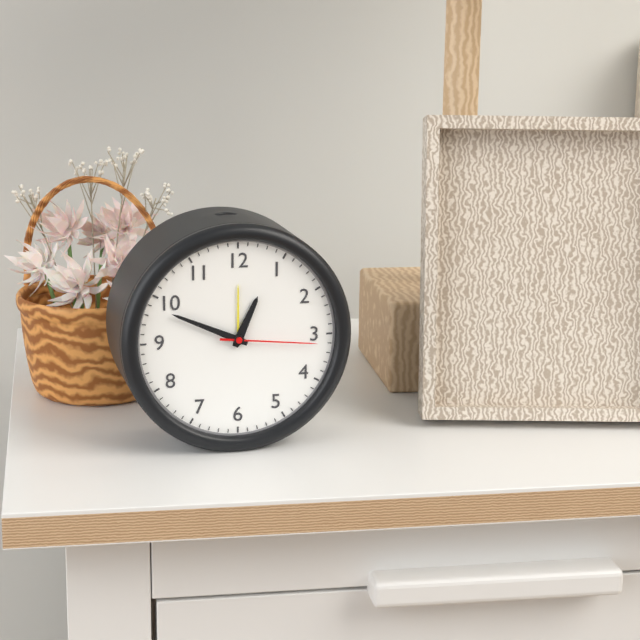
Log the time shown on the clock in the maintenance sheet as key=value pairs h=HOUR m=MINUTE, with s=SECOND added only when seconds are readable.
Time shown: h=12 m=49 s=16
